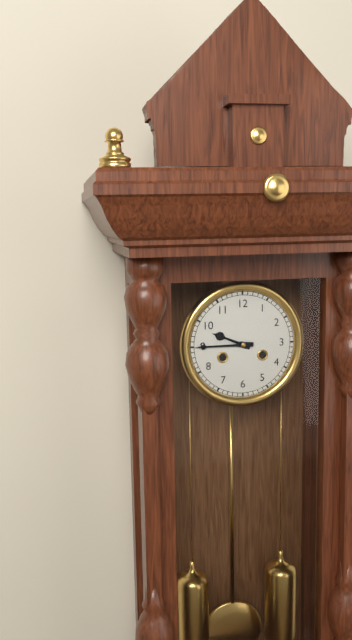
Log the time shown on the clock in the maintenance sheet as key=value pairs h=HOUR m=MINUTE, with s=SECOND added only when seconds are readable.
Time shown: h=9 m=45
